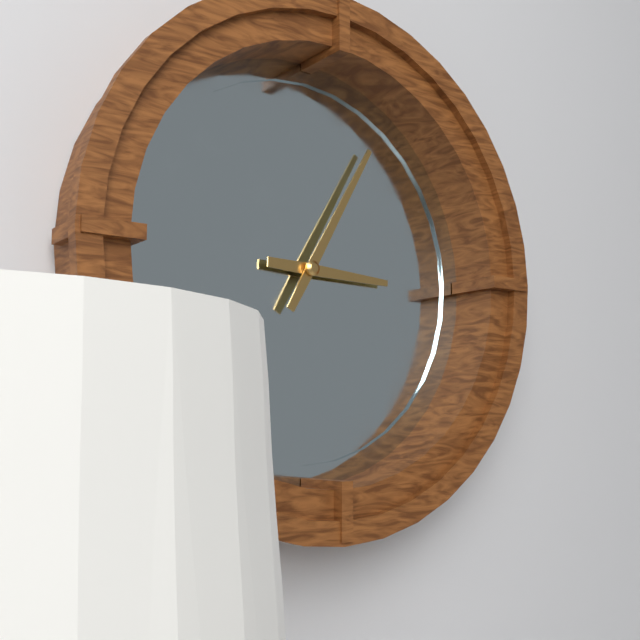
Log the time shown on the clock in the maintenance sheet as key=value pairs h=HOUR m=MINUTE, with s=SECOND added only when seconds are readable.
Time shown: h=3 m=5
